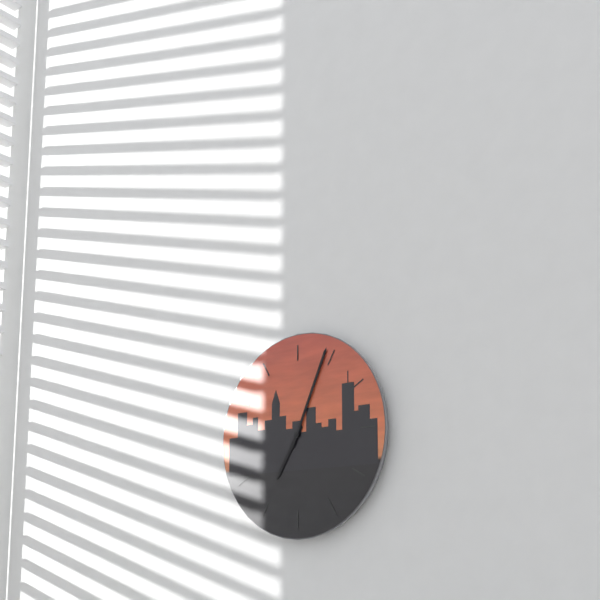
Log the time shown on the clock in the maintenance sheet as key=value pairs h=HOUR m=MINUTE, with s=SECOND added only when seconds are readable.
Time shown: h=7 m=4
